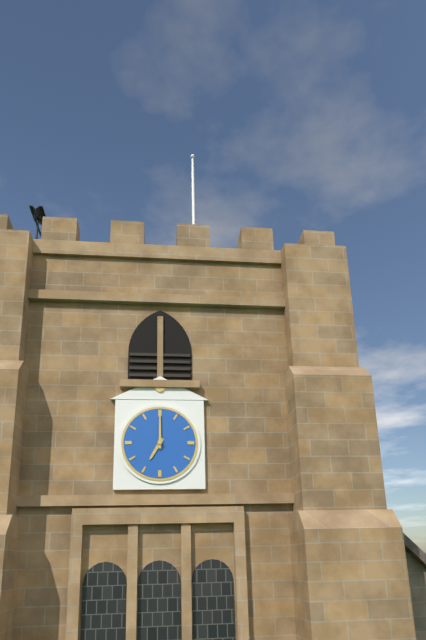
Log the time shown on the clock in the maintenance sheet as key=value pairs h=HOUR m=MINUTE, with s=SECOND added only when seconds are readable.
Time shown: h=7 m=0
